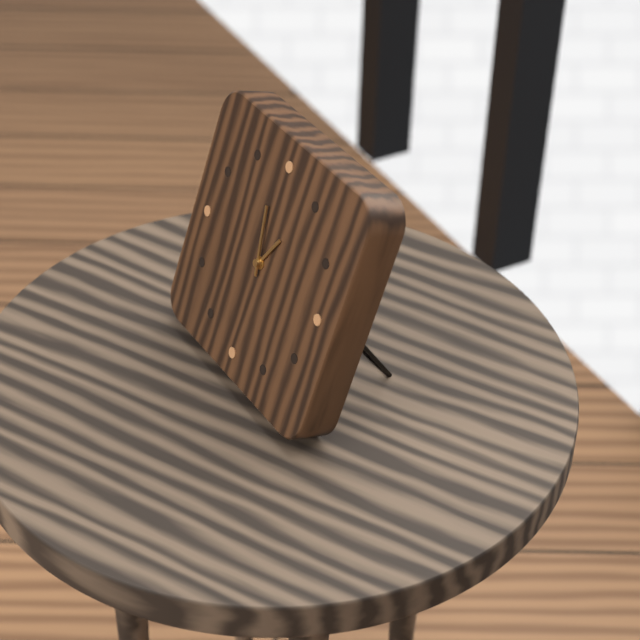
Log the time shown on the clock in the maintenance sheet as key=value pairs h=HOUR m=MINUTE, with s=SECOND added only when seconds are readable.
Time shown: h=12 m=58
